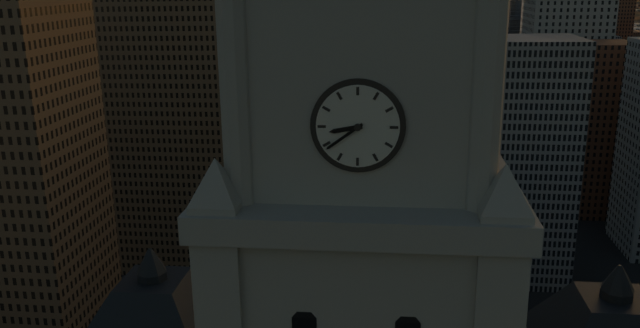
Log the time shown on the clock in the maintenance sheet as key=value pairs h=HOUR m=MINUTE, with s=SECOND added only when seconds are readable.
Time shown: h=8 m=39
